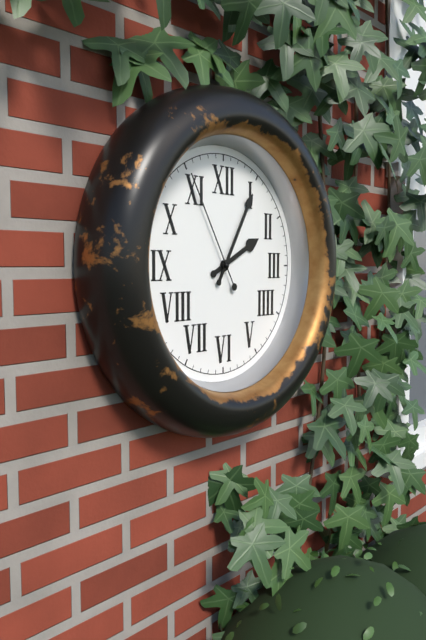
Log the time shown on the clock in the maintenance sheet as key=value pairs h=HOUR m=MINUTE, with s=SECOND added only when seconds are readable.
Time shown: h=2 m=5 s=55
